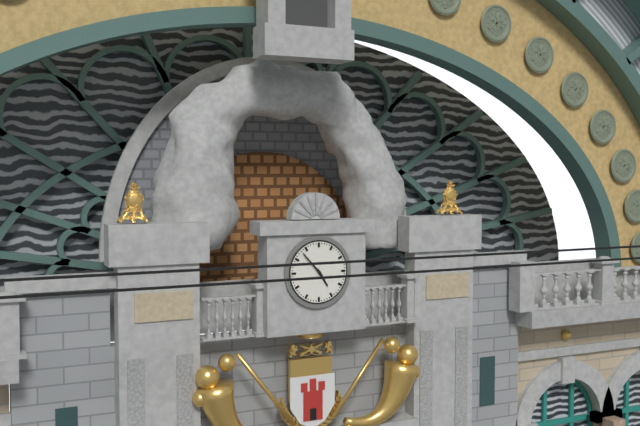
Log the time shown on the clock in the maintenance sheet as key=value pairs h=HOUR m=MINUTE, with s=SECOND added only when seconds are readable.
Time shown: h=4 m=53
